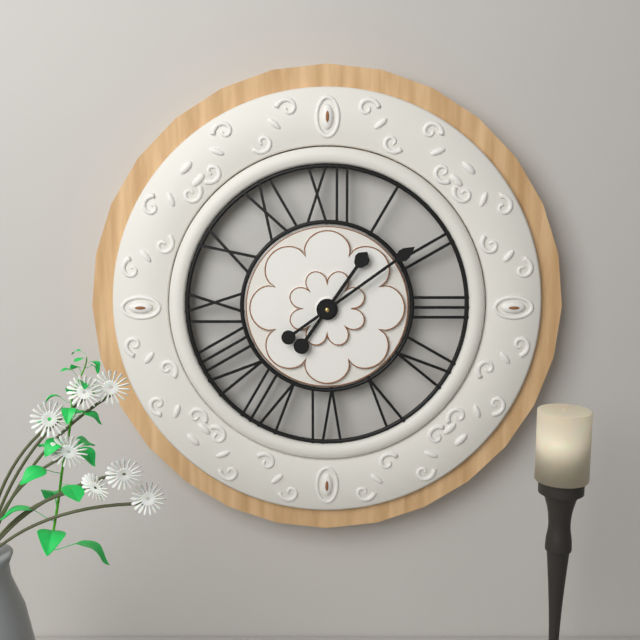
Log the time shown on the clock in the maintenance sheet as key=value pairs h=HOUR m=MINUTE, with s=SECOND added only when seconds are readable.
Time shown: h=1 m=9
